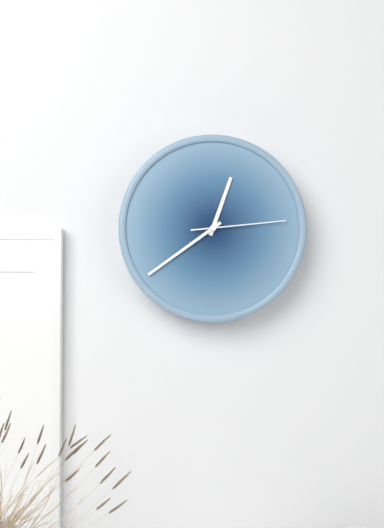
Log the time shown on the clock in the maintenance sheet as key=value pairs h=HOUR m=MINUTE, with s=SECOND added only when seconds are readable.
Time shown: h=12 m=39 s=14
